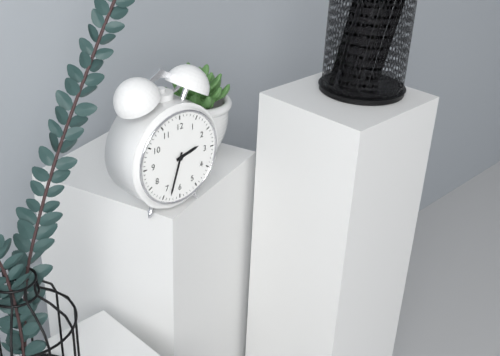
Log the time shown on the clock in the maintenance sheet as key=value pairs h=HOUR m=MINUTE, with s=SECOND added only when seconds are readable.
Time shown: h=2 m=33
